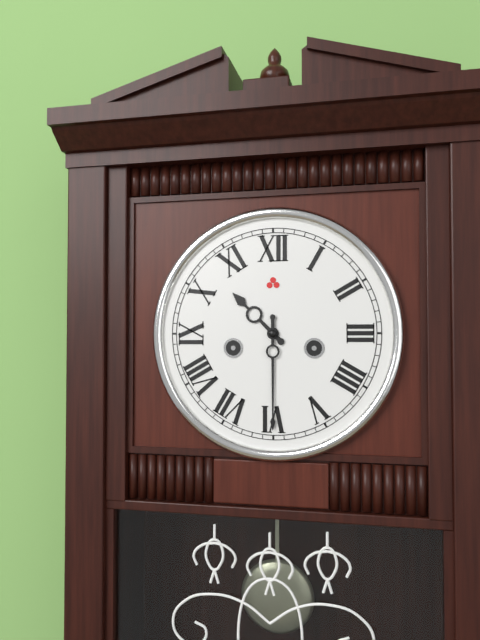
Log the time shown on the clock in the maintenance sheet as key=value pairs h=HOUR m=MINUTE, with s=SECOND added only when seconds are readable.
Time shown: h=10 m=30
